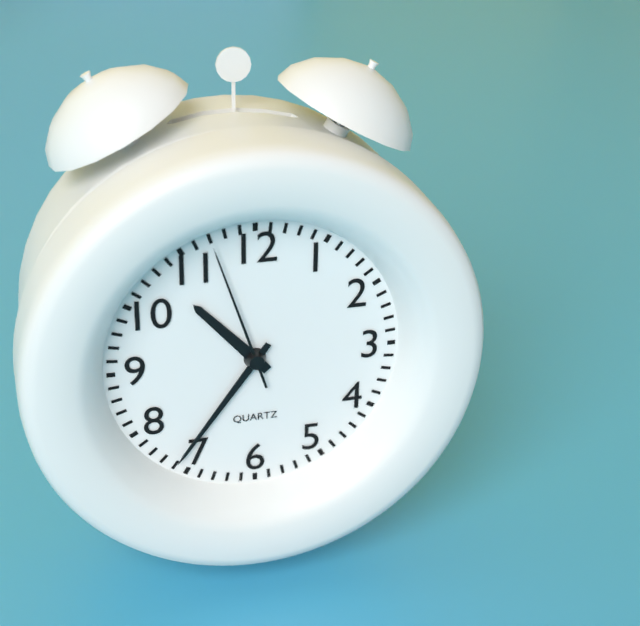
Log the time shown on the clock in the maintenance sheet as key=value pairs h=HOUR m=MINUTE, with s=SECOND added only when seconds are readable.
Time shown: h=10 m=36 s=57
